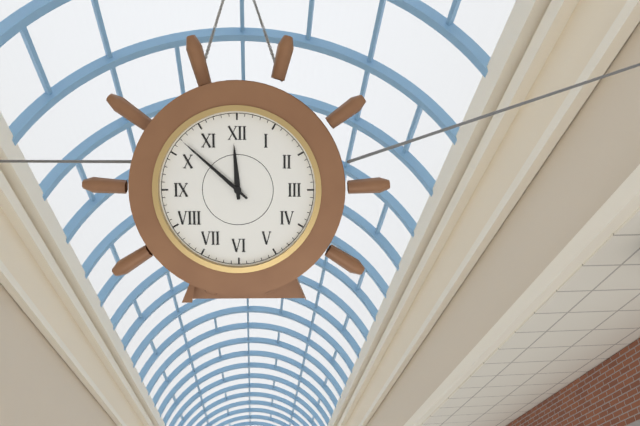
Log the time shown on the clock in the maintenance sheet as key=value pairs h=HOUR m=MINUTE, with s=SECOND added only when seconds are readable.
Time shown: h=11 m=52
